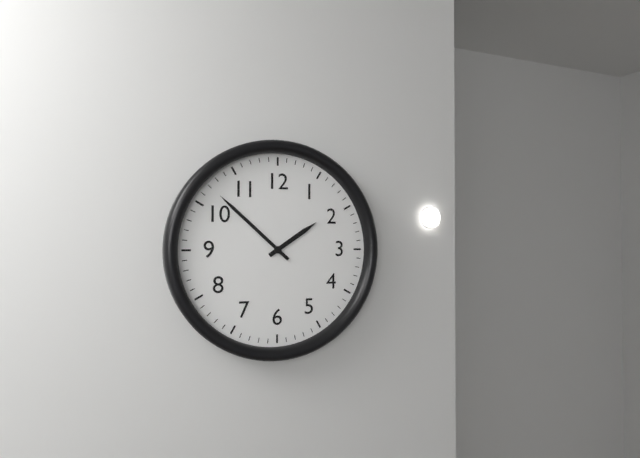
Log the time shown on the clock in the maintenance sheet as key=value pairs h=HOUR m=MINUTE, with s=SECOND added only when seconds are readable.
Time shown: h=1 m=52
